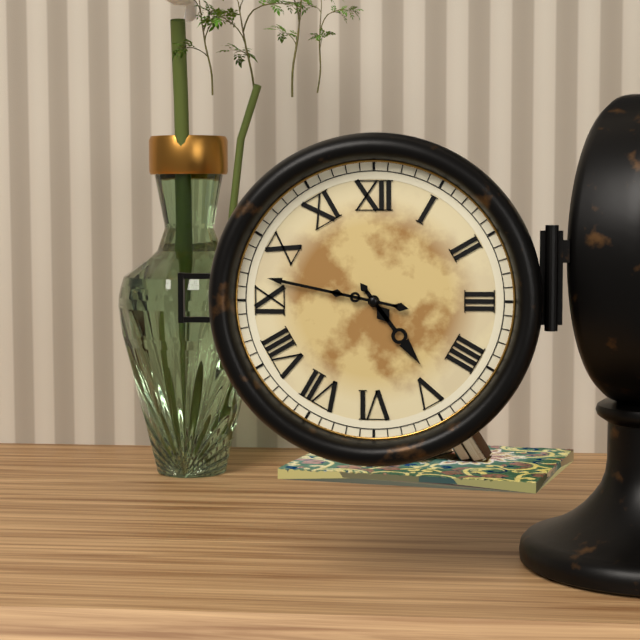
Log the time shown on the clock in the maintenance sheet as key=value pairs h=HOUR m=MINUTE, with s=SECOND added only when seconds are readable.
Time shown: h=4 m=47
